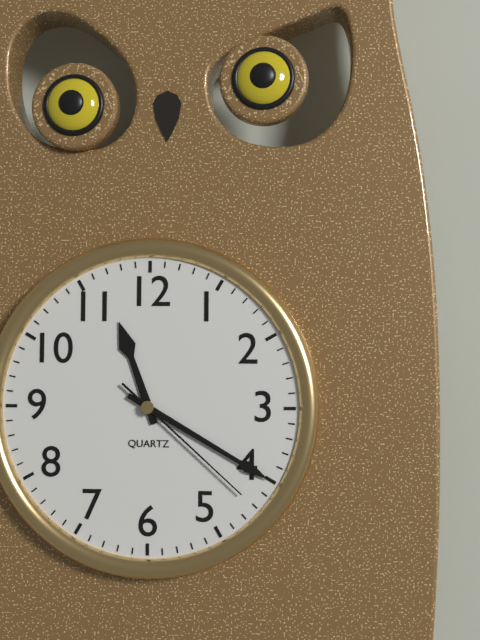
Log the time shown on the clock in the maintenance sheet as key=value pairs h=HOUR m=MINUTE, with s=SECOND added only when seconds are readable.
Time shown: h=11 m=20 s=22
